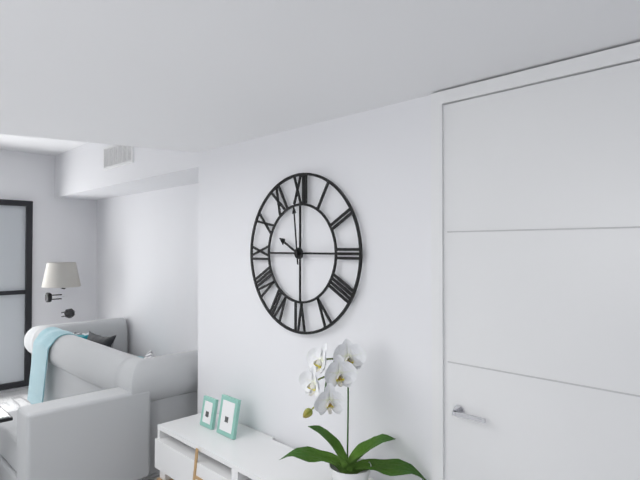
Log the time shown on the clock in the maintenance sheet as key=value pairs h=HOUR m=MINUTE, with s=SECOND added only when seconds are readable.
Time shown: h=9 m=59
